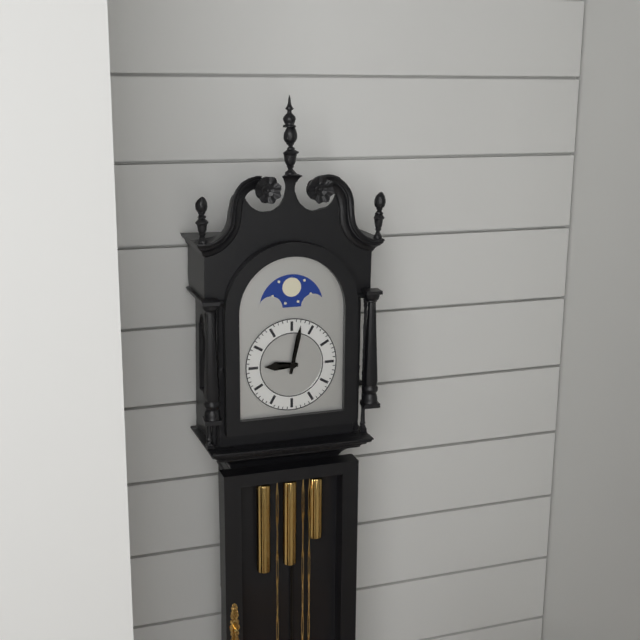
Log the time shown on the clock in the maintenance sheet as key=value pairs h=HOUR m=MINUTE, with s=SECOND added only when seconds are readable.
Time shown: h=9 m=2
